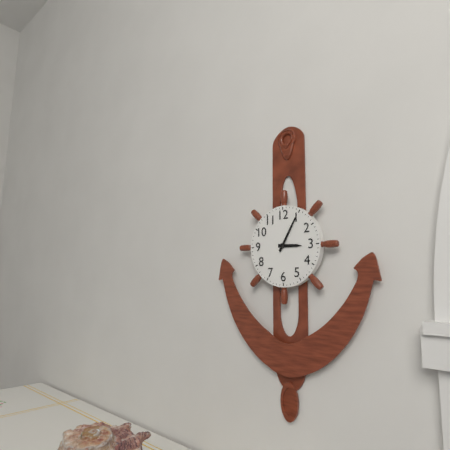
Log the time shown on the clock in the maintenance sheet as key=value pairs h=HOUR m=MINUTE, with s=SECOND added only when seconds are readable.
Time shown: h=3 m=5
